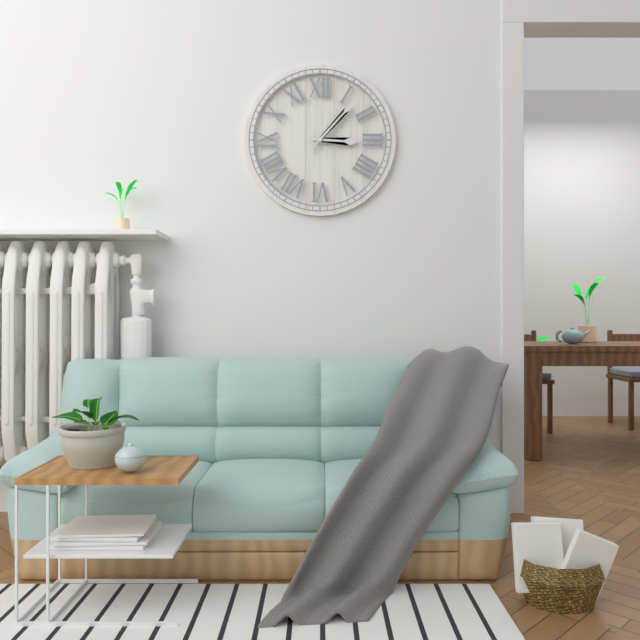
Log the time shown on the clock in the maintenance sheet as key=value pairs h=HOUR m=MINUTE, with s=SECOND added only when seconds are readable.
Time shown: h=3 m=7
